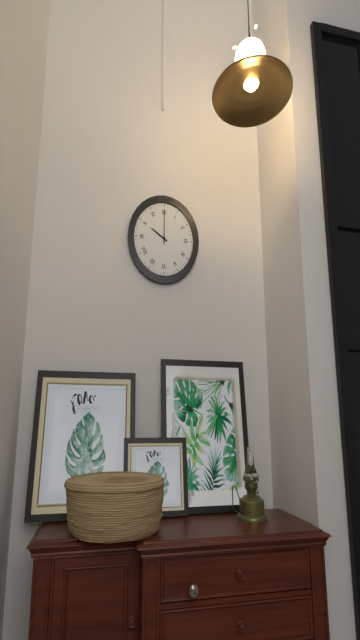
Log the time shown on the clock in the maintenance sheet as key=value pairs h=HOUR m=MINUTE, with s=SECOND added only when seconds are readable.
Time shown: h=10 m=0
